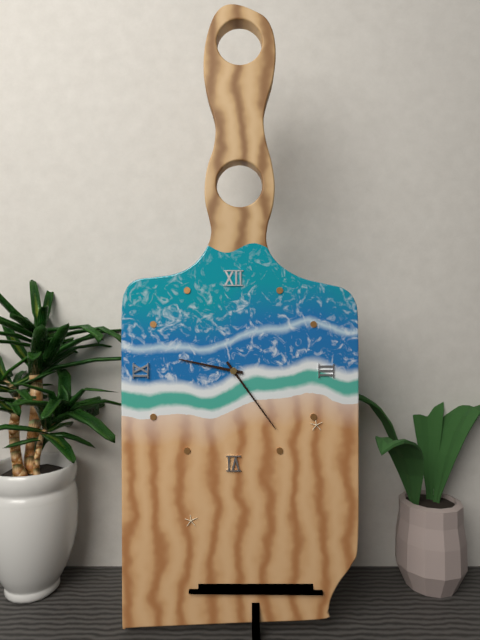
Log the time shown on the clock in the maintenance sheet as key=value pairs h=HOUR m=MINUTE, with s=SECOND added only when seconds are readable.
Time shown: h=9 m=24
